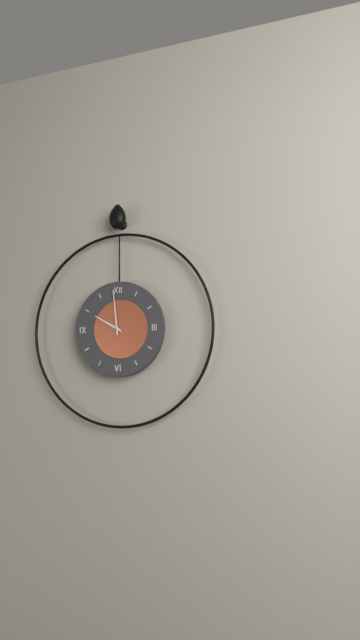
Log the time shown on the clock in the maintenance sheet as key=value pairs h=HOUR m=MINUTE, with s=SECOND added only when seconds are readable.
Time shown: h=9 m=59
